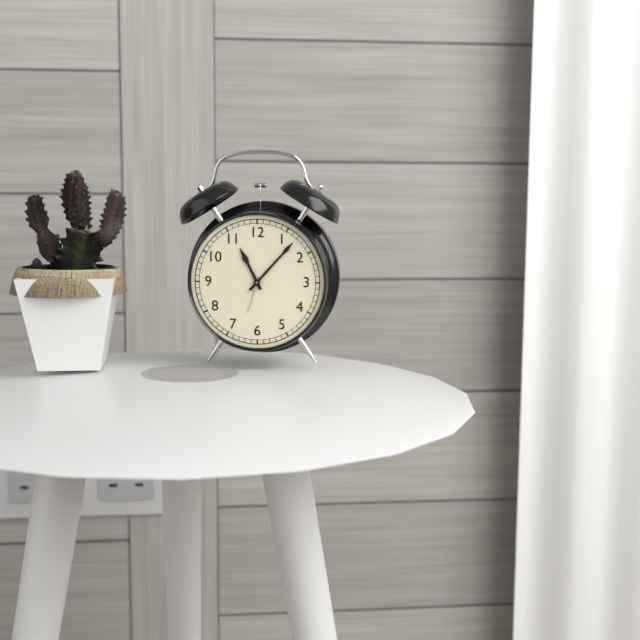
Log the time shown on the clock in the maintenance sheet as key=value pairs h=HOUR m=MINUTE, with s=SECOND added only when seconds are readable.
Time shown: h=11 m=7
